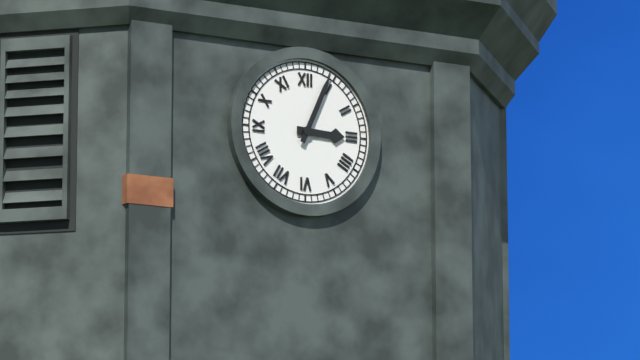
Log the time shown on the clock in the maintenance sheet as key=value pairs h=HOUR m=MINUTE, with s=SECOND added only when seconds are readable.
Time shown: h=3 m=4
